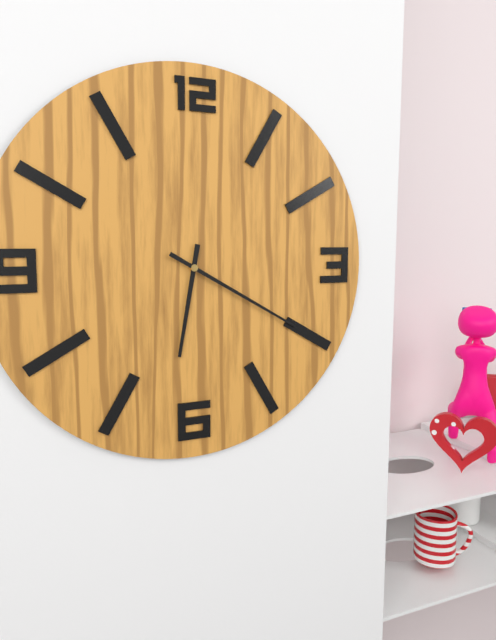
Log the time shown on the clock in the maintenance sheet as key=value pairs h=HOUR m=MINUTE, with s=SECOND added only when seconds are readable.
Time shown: h=6 m=20
